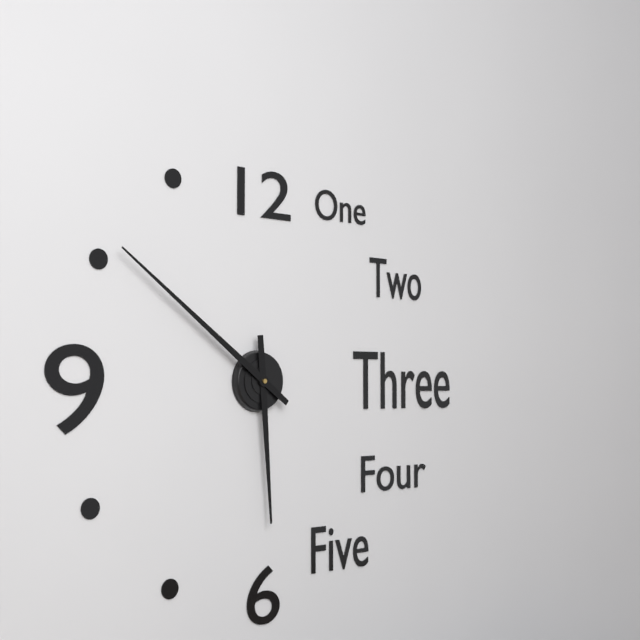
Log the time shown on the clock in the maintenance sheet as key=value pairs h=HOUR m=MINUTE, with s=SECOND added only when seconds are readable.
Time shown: h=5 m=51
